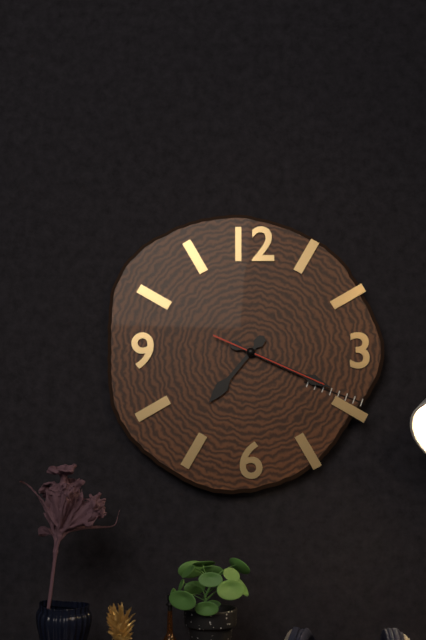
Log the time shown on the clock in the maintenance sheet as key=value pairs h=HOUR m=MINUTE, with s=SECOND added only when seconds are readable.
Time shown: h=7 m=19 s=19
